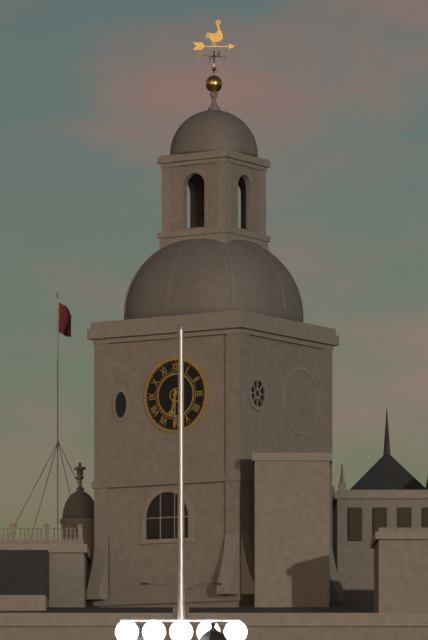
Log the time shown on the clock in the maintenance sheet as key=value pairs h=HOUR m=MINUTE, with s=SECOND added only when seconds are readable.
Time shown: h=6 m=30
